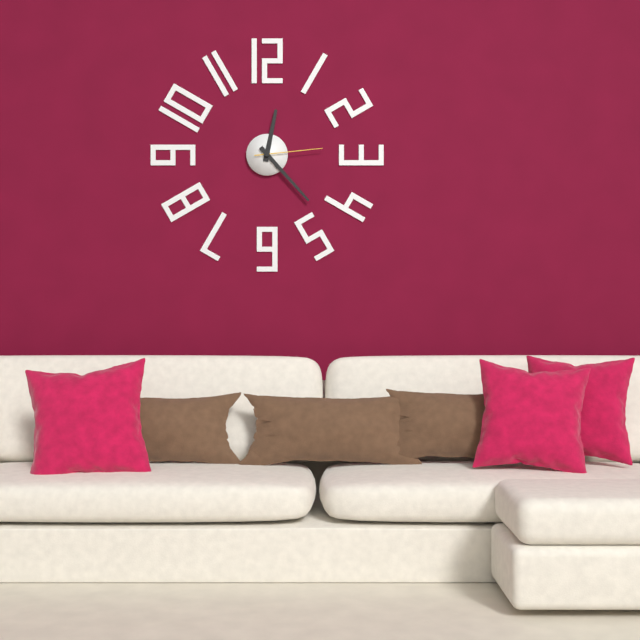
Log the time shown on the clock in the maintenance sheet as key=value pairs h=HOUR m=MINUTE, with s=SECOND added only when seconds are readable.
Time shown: h=12 m=23 s=14
